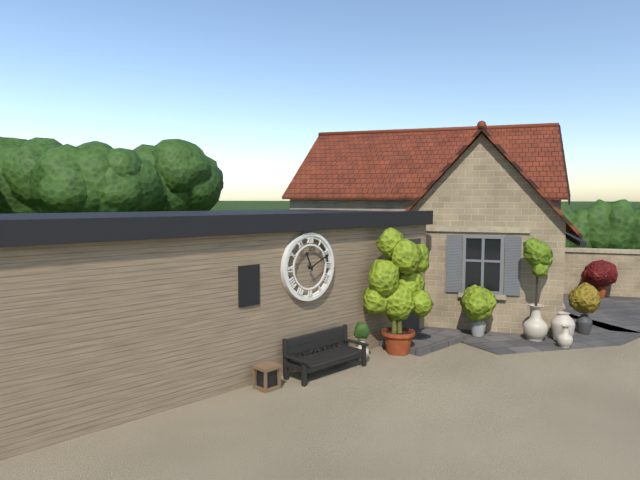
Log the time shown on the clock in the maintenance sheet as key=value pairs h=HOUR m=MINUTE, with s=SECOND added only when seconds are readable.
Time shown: h=11 m=11
